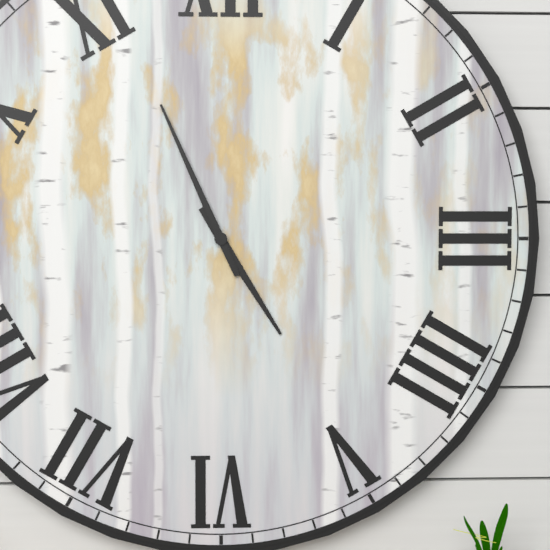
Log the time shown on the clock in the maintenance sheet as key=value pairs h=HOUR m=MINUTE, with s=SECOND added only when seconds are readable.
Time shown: h=4 m=56
